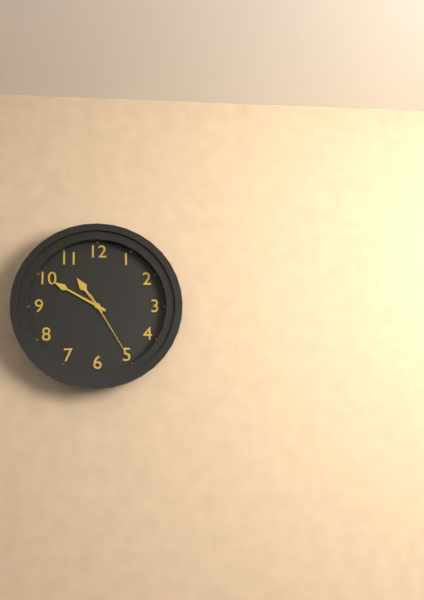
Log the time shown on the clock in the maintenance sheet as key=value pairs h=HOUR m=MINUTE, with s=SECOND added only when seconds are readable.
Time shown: h=10 m=50 s=25
